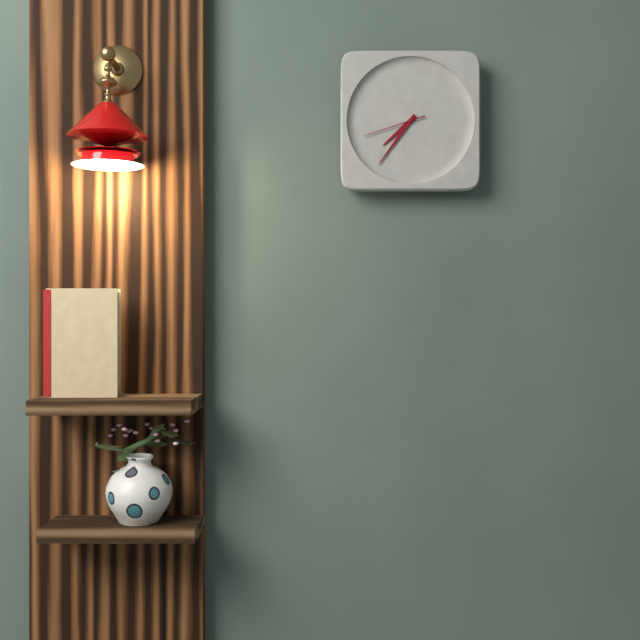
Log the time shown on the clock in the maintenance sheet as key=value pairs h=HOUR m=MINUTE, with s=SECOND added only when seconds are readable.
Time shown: h=7 m=36 s=42
